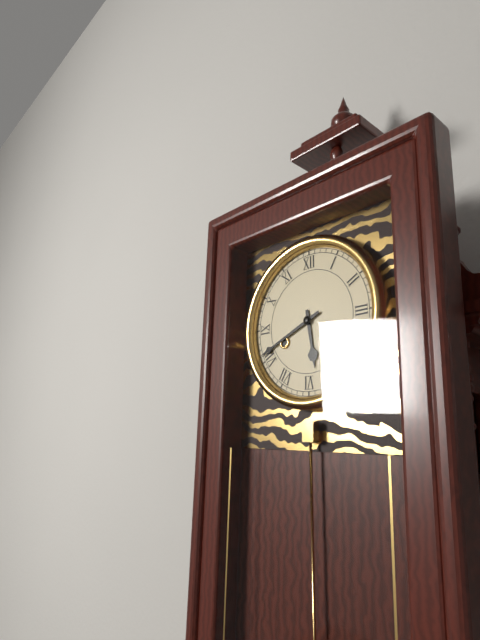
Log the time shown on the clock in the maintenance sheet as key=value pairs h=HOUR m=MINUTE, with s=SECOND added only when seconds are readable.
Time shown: h=5 m=41
